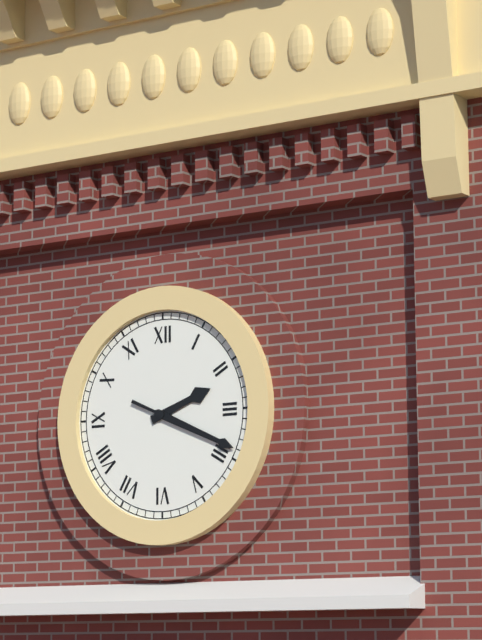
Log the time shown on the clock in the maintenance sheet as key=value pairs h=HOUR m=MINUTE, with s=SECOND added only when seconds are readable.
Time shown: h=2 m=19
